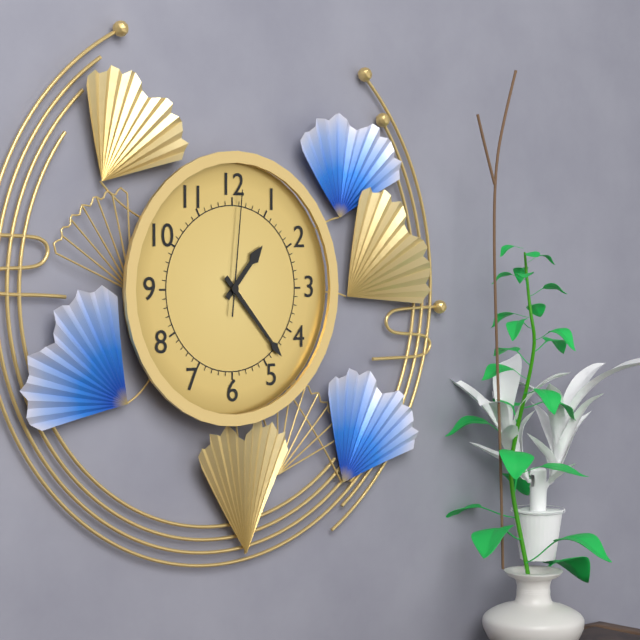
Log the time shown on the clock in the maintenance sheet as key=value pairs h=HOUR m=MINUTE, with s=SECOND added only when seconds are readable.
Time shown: h=1 m=23 s=1
